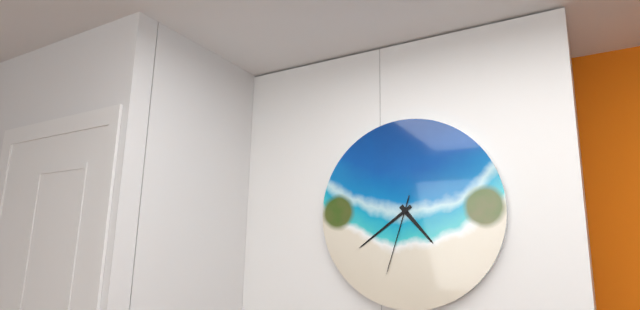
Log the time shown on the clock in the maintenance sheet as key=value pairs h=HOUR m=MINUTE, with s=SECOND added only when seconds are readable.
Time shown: h=4 m=39 s=33
